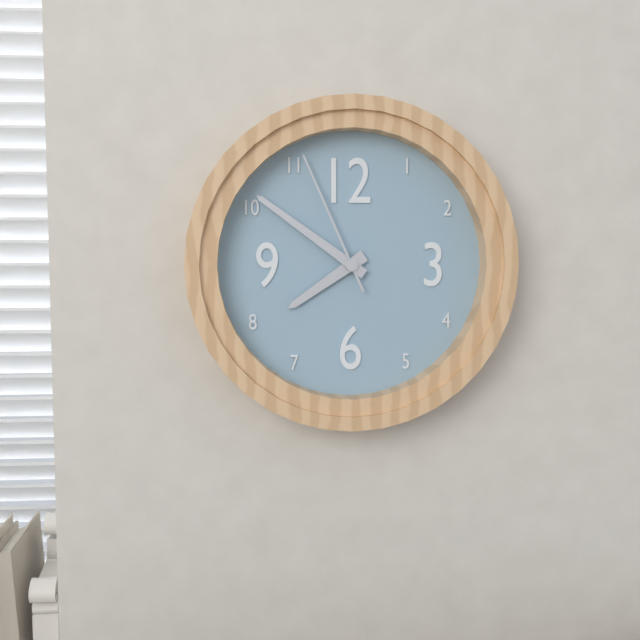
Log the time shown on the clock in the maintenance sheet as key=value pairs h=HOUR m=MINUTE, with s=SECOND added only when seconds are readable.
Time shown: h=7 m=51 s=56
